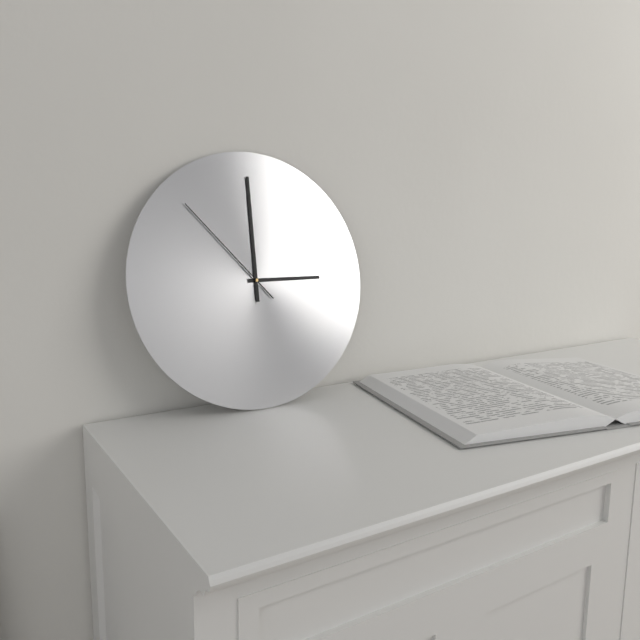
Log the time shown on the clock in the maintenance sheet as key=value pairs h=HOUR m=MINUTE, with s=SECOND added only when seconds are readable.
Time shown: h=3 m=0 s=53
